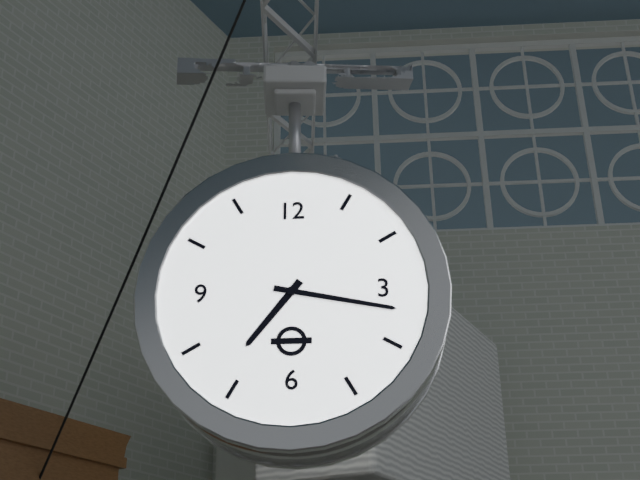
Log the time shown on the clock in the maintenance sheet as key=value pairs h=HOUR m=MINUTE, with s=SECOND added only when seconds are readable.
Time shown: h=7 m=17
